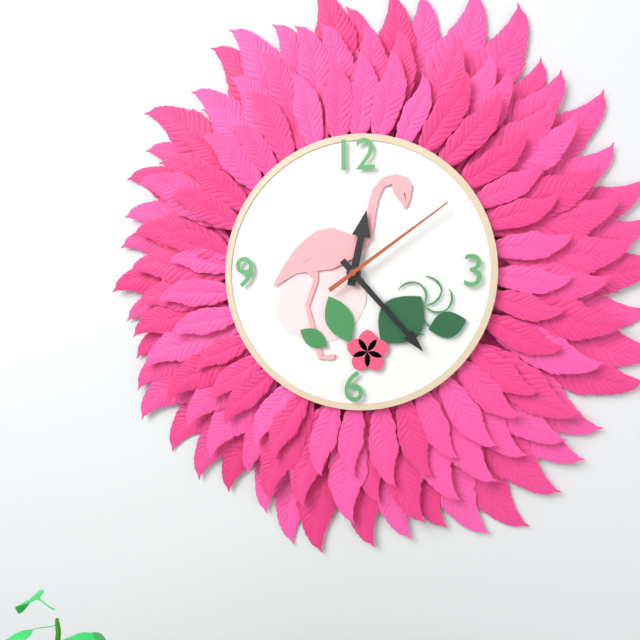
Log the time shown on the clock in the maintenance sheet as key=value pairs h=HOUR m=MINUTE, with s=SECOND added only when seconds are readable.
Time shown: h=12 m=23 s=9
